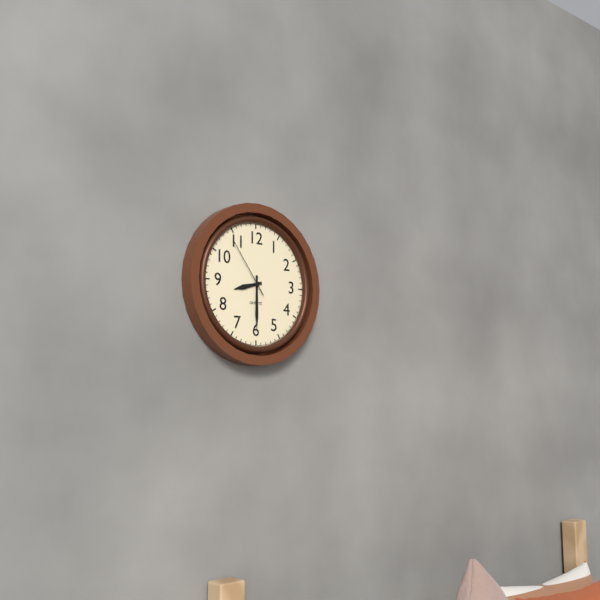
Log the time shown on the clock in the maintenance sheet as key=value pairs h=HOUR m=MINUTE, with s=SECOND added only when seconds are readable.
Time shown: h=8 m=30 s=54
